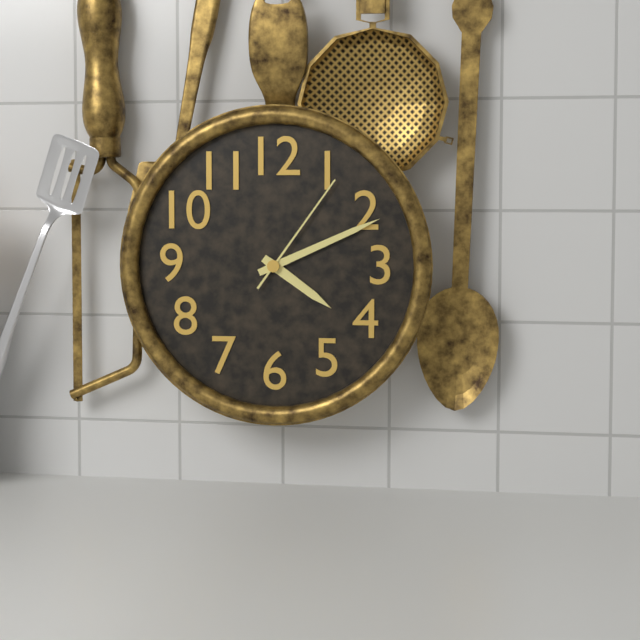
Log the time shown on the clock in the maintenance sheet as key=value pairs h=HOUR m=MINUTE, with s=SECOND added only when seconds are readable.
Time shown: h=4 m=11 s=6
